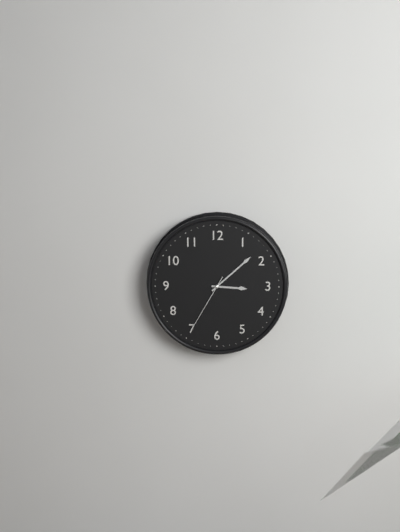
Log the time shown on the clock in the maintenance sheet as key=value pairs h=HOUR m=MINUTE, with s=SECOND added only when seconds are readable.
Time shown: h=3 m=8 s=35
